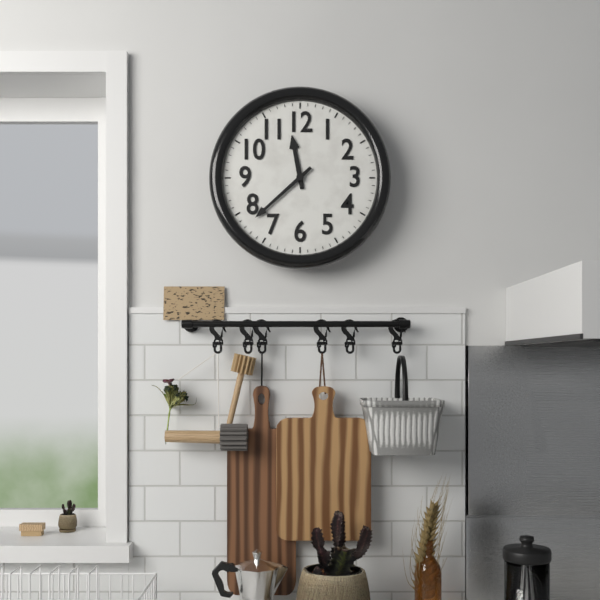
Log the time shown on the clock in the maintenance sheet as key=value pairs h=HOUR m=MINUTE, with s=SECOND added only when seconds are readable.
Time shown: h=11 m=38
